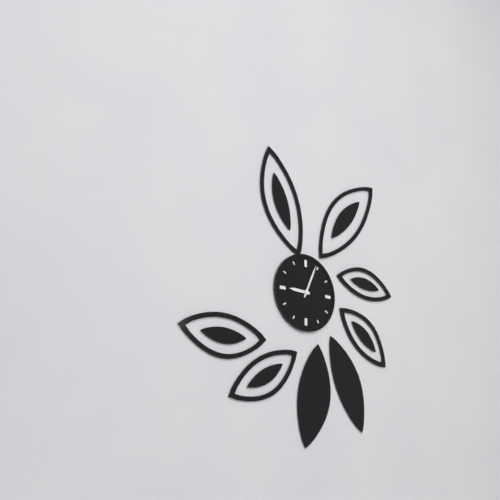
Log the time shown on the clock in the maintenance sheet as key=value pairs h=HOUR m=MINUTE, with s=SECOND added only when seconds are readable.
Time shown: h=9 m=4
